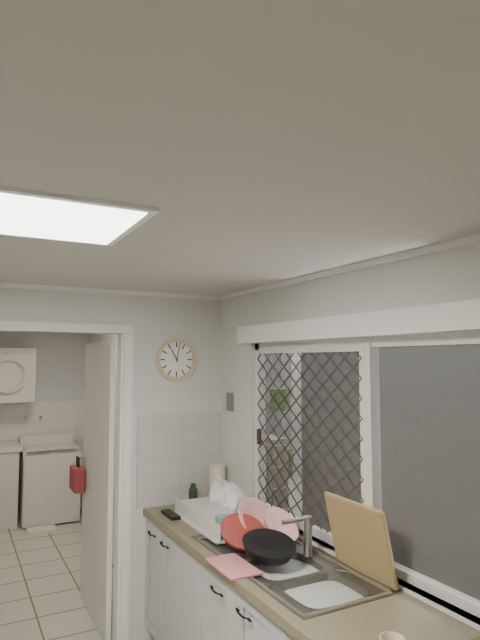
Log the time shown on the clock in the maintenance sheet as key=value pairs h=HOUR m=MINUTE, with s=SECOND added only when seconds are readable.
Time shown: h=11 m=2
